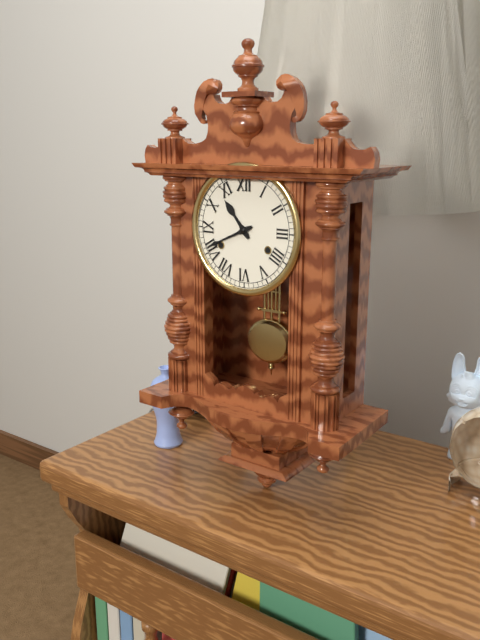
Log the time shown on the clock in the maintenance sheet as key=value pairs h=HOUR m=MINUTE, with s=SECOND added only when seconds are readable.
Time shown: h=10 m=41
